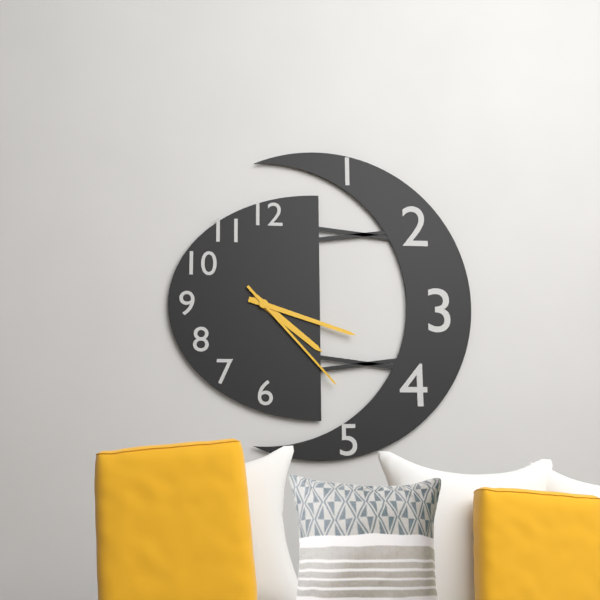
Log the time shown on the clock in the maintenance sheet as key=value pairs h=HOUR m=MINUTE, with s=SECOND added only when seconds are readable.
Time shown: h=4 m=18 s=23
